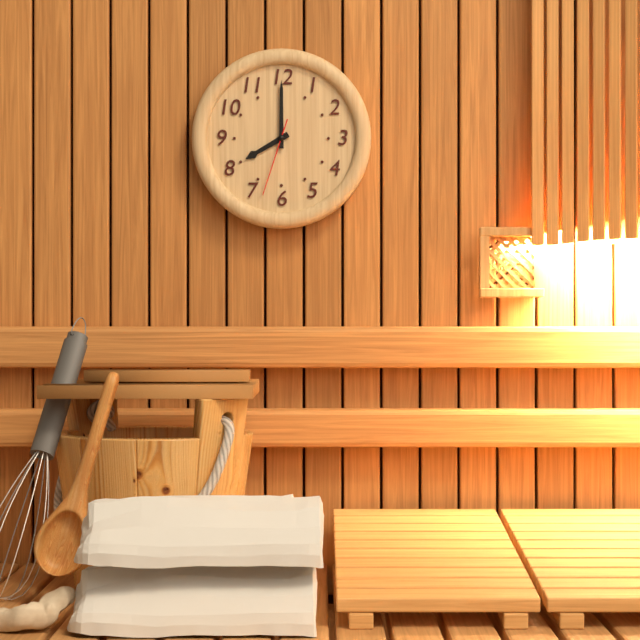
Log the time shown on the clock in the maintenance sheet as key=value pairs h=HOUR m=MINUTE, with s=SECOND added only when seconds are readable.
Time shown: h=8 m=0 s=33
